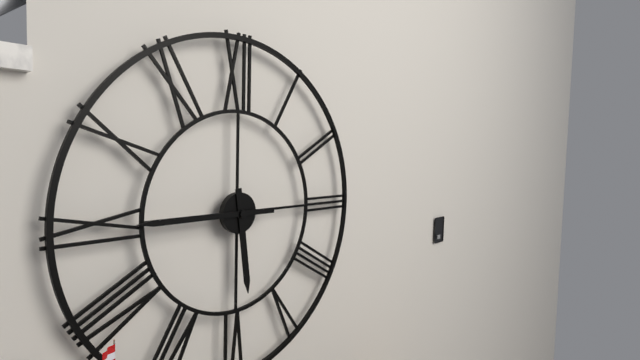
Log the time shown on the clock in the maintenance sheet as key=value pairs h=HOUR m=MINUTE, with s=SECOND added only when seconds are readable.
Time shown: h=5 m=45
